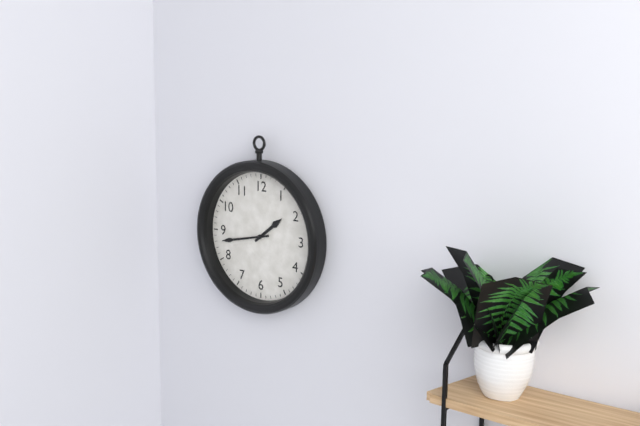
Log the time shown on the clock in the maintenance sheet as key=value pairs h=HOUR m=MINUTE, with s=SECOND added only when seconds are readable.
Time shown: h=1 m=43
